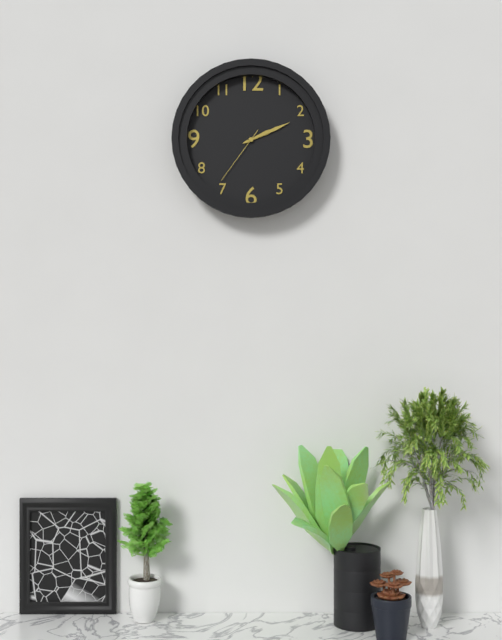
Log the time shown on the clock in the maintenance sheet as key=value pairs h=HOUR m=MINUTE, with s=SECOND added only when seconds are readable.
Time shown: h=2 m=11 s=36
